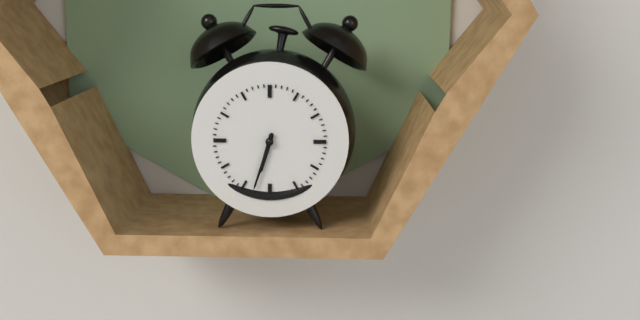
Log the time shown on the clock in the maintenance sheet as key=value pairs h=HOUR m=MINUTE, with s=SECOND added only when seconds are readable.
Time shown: h=6 m=33
